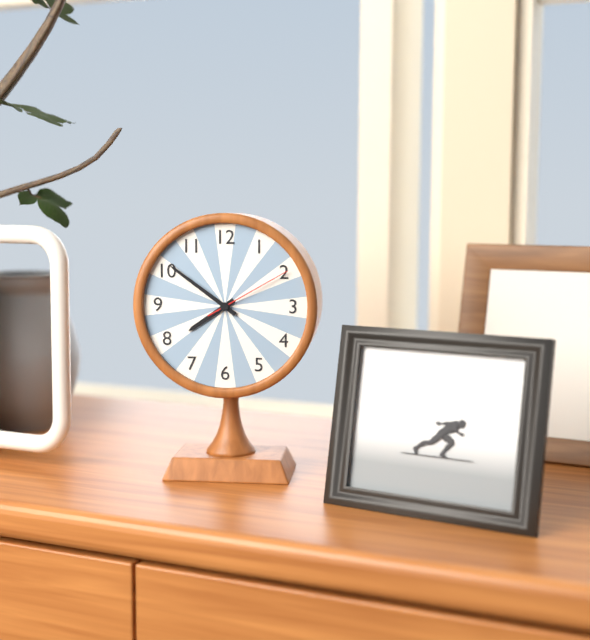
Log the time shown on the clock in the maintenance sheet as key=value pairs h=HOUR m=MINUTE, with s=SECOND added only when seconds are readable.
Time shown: h=7 m=51 s=10
